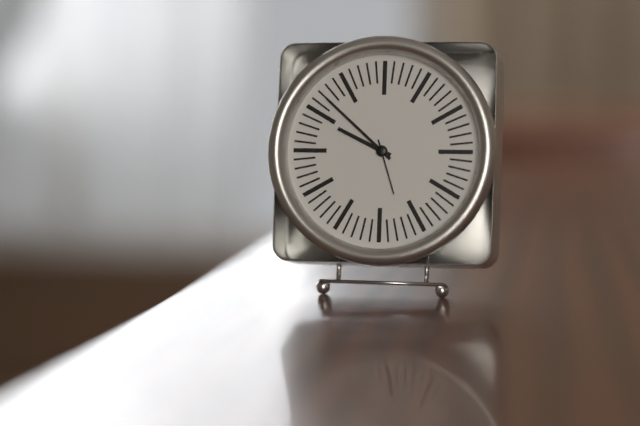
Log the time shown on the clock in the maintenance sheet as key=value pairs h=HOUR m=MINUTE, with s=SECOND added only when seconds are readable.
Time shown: h=9 m=52 s=27
